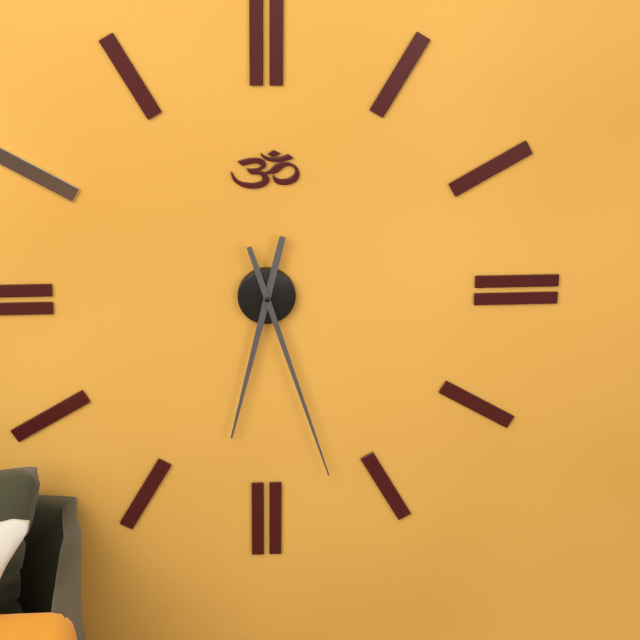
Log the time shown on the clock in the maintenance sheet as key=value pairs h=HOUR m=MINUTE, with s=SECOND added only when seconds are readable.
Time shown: h=6 m=27
